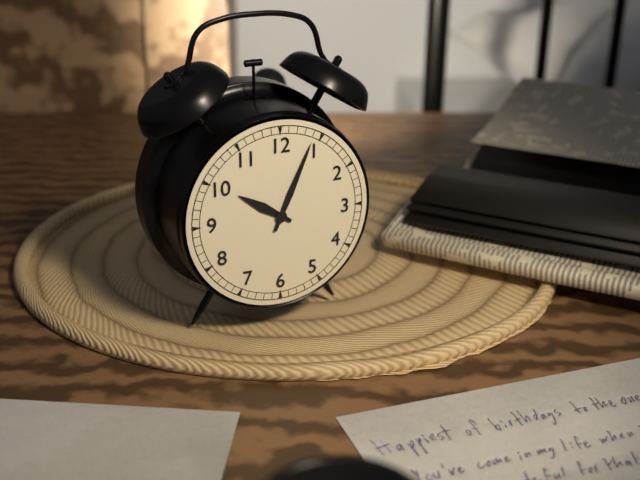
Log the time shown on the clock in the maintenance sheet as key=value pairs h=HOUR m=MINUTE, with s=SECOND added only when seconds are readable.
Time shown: h=10 m=4
